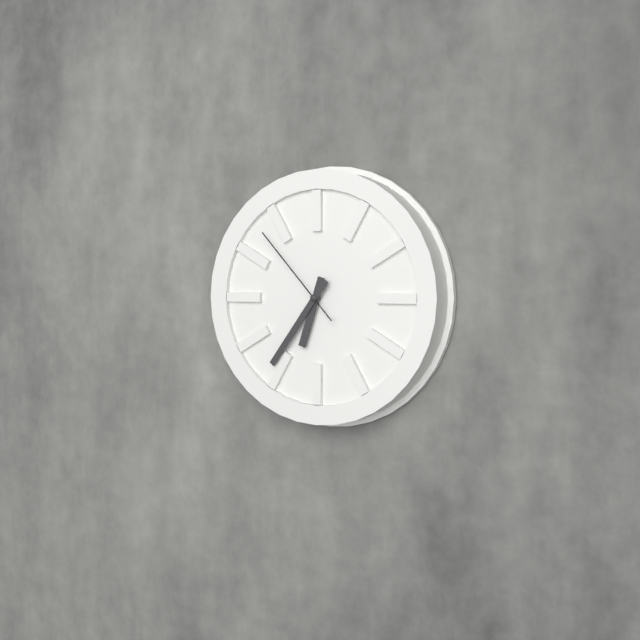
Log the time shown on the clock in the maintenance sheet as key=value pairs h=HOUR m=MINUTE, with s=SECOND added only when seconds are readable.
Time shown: h=6 m=36 s=53
